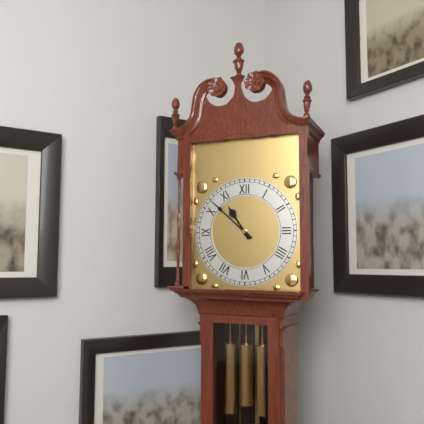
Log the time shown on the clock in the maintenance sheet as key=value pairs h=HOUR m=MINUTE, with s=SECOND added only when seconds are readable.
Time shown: h=10 m=52
